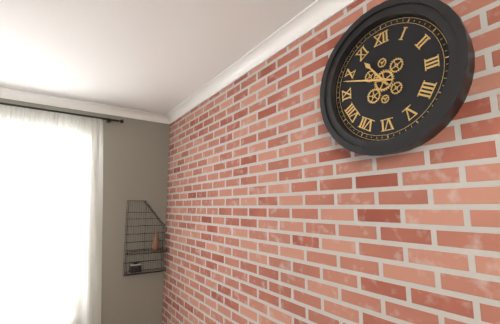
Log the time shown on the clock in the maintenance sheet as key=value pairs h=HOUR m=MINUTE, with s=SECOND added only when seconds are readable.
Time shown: h=10 m=48
